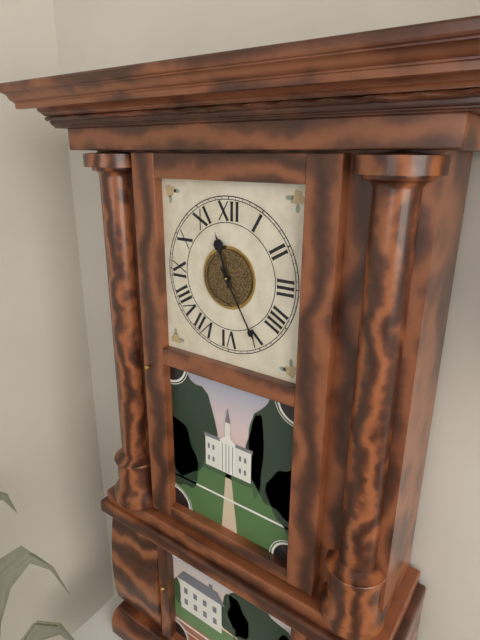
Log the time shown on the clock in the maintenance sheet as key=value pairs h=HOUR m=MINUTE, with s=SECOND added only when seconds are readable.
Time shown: h=11 m=25
